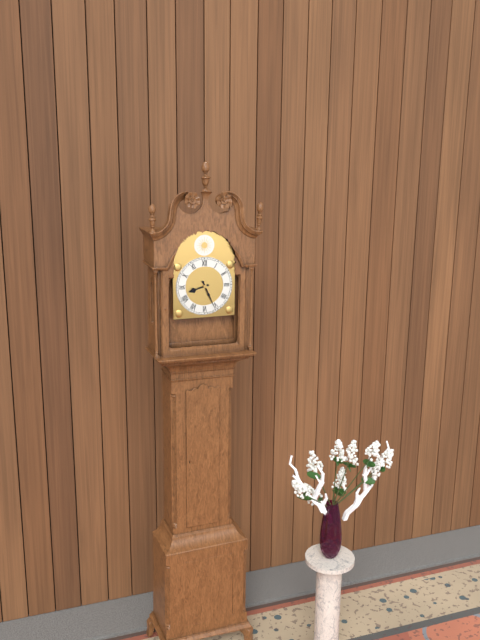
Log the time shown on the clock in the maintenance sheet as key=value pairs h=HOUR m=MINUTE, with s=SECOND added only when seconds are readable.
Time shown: h=8 m=26
